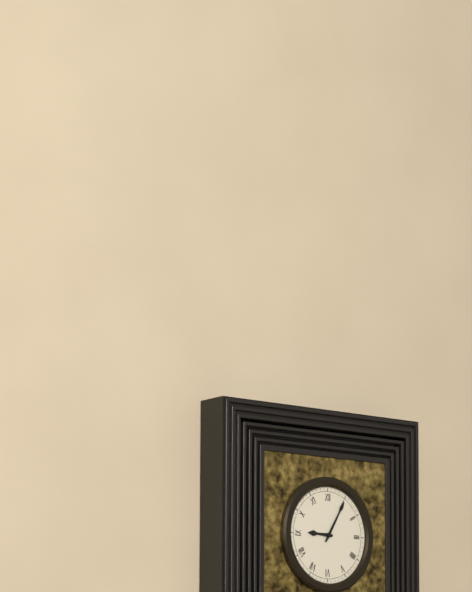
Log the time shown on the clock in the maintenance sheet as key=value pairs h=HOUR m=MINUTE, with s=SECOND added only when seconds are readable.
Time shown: h=9 m=5
